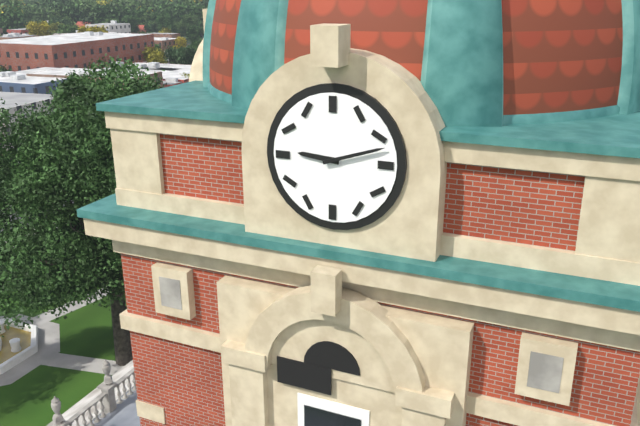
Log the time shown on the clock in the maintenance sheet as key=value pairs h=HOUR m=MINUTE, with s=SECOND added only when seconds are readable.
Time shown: h=9 m=12
